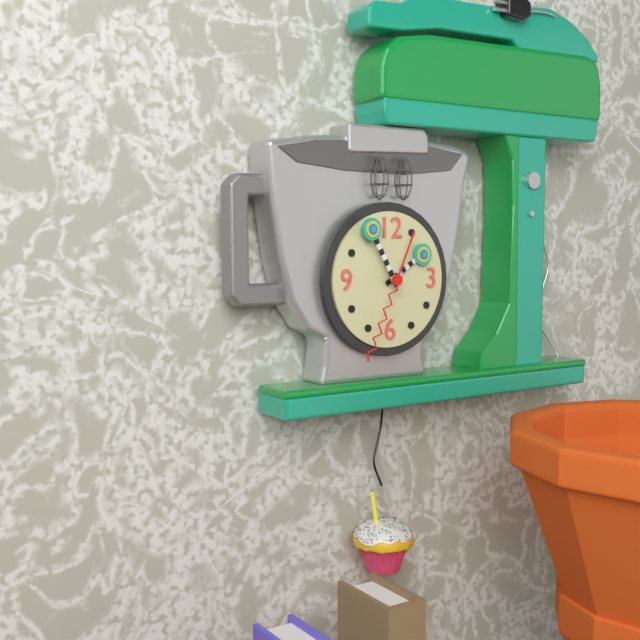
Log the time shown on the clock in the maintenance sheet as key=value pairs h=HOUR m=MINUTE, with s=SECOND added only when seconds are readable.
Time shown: h=1 m=55 s=34
